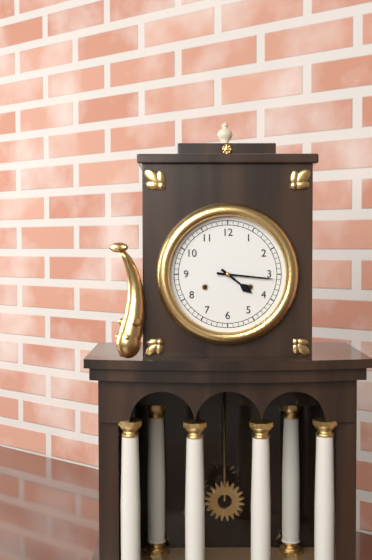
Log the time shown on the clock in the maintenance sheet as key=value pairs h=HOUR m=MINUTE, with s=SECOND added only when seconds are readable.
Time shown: h=4 m=16
